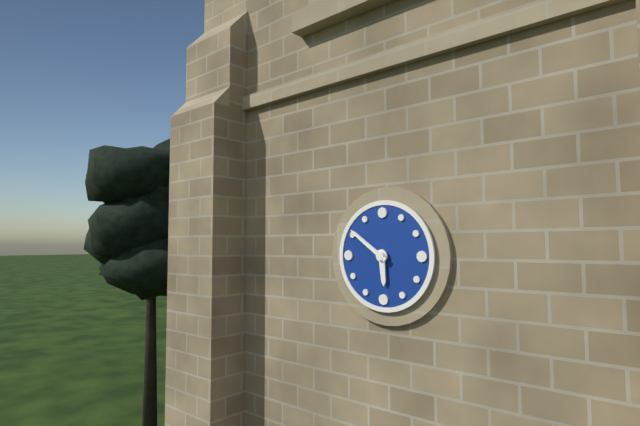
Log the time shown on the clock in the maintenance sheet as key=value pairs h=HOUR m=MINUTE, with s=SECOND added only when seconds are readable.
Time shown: h=5 m=51
